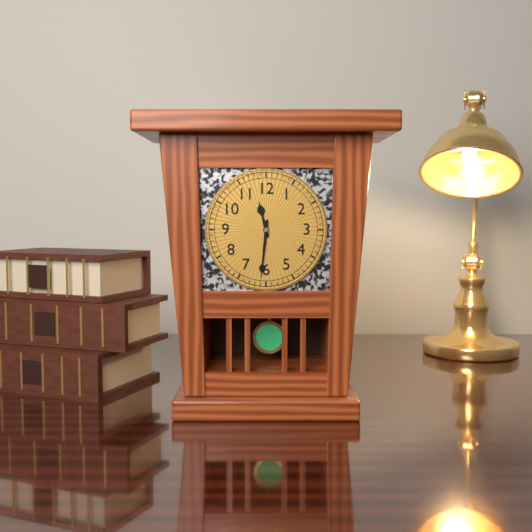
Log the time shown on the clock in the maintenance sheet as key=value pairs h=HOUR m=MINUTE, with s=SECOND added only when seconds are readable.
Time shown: h=11 m=31
